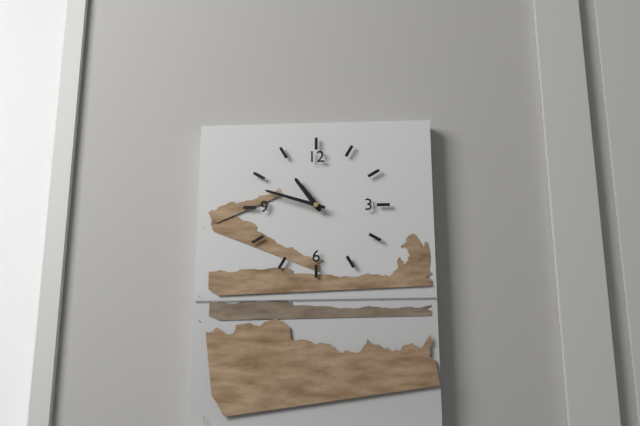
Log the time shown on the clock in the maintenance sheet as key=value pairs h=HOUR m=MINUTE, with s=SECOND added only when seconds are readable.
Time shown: h=10 m=48
